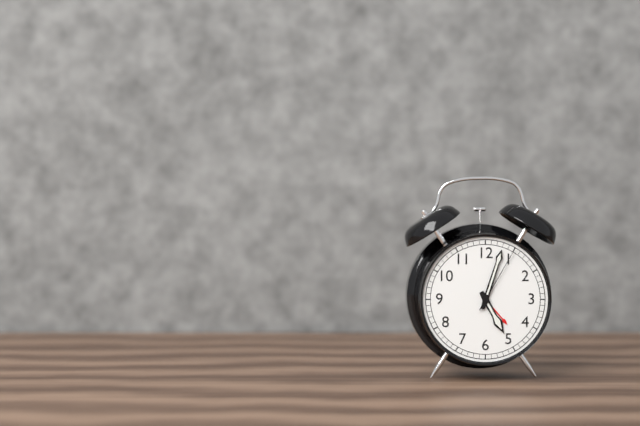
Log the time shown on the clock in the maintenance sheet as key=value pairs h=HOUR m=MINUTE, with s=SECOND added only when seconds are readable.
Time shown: h=5 m=3 s=5
